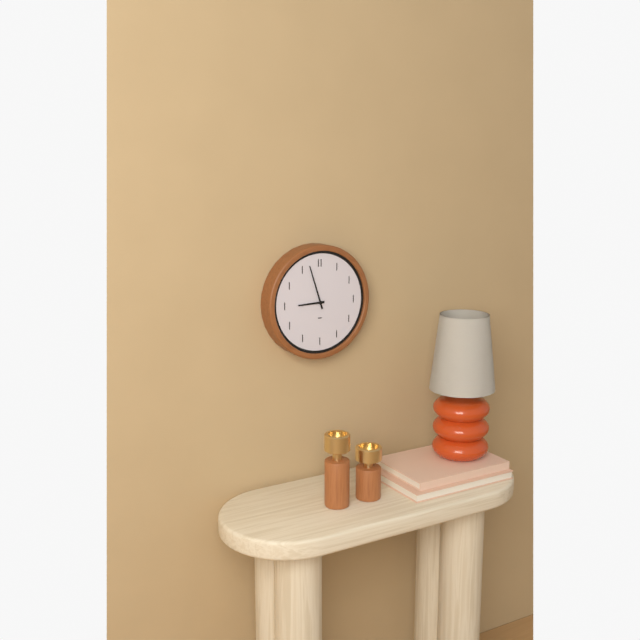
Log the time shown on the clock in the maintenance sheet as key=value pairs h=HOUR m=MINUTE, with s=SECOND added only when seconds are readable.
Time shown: h=8 m=57
